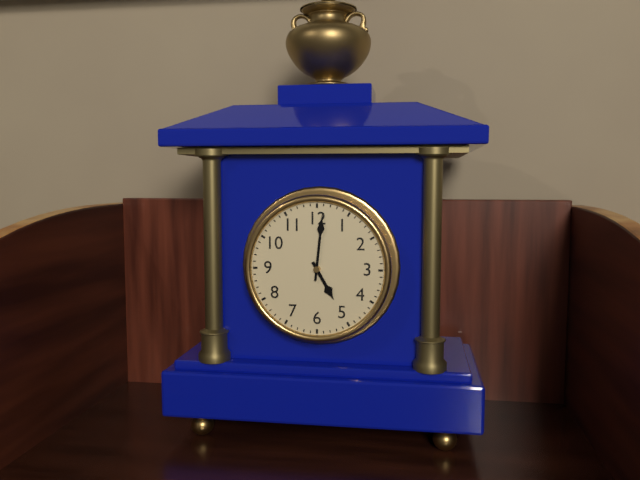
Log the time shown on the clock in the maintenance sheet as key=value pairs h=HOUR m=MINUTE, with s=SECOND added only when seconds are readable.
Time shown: h=5 m=1
